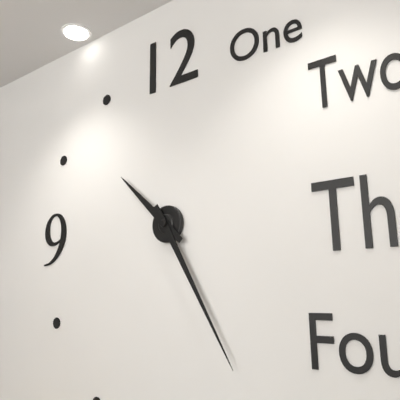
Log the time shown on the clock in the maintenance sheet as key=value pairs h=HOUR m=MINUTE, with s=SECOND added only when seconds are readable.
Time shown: h=10 m=25
